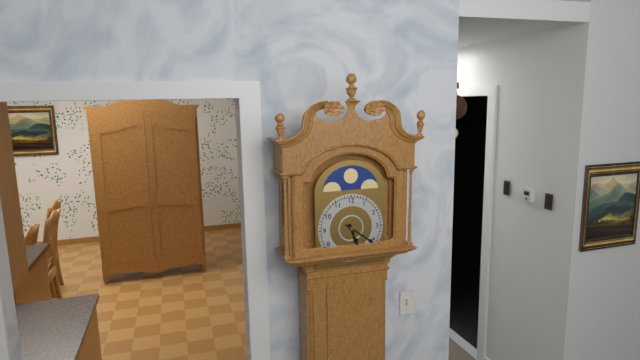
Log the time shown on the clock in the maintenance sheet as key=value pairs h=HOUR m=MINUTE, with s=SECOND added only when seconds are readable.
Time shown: h=5 m=21
